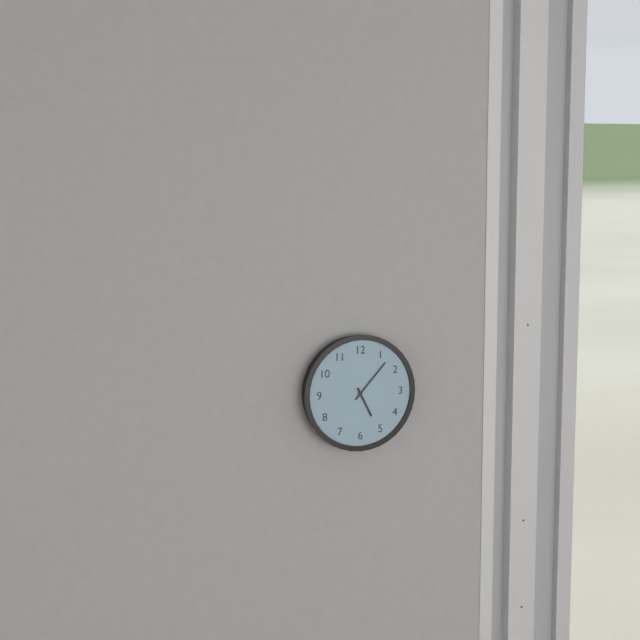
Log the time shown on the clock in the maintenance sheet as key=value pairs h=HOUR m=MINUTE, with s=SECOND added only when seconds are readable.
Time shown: h=5 m=7
